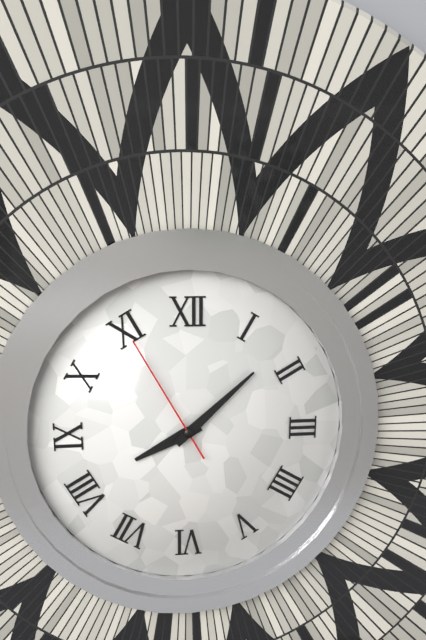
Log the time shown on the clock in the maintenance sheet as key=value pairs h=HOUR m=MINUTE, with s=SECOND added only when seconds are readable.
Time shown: h=8 m=8 s=55
